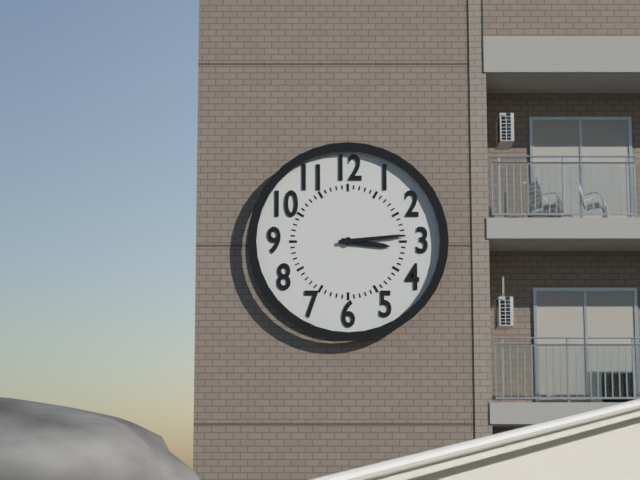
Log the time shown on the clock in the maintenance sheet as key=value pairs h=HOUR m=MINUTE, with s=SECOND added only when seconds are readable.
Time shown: h=3 m=14
